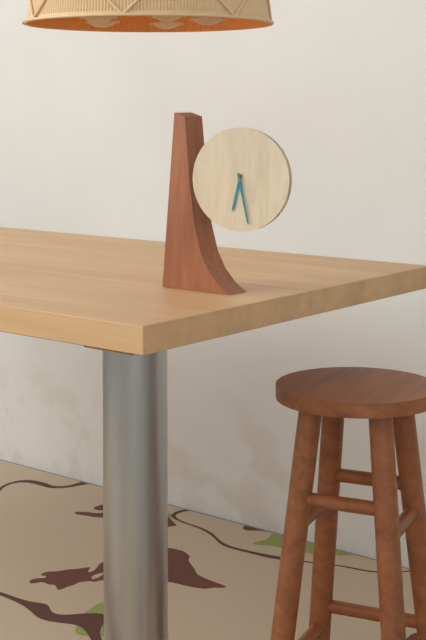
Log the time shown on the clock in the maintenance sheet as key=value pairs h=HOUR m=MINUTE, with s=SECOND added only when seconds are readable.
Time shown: h=6 m=28
